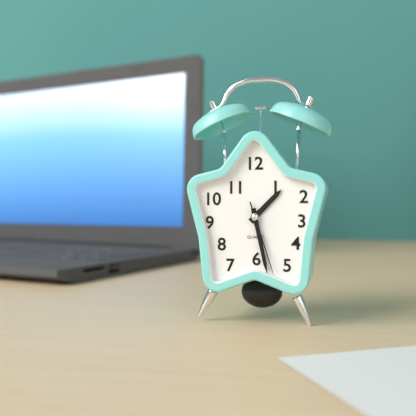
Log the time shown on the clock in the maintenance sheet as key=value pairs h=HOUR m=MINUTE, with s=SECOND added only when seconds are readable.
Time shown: h=1 m=28 s=27
